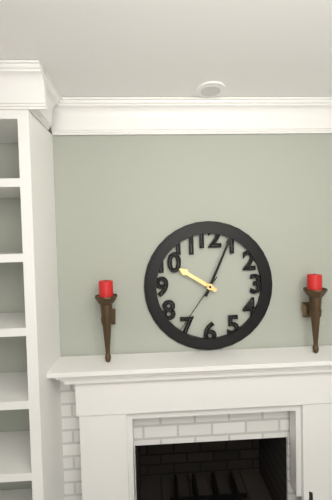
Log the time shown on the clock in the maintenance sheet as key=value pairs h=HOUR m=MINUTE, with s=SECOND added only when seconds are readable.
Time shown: h=10 m=4 s=36
